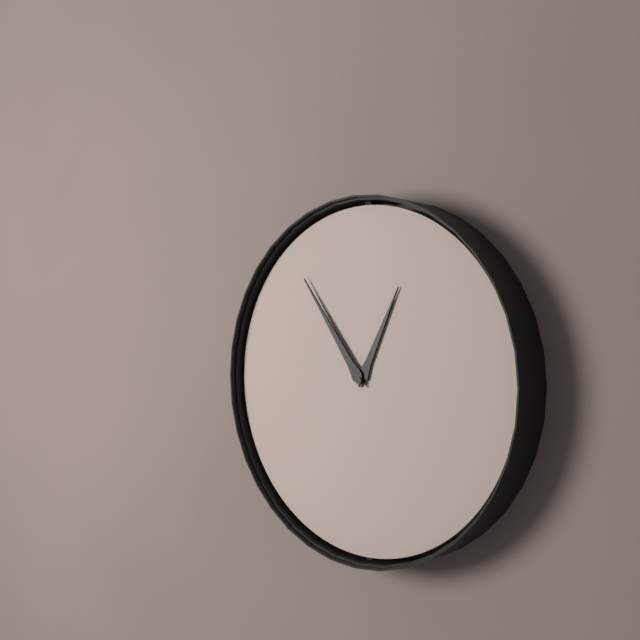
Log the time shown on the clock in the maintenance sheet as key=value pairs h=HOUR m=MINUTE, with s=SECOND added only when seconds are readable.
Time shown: h=12 m=54
